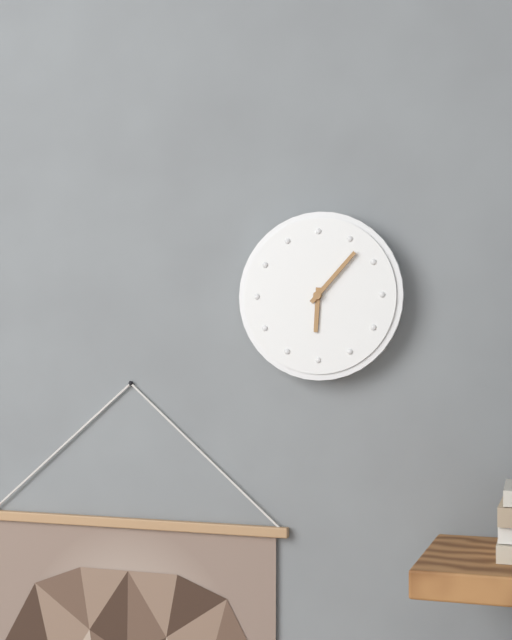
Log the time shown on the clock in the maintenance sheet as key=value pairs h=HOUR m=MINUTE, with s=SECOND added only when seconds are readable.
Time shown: h=6 m=7
